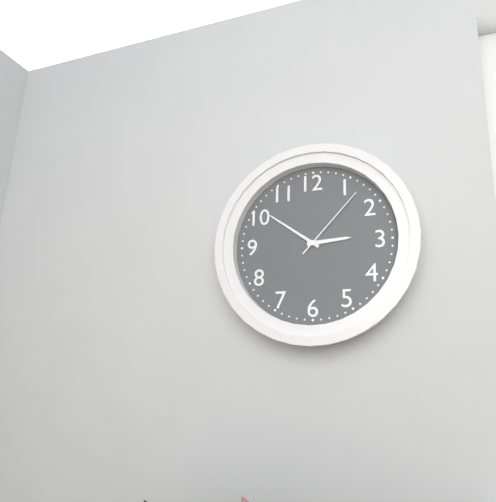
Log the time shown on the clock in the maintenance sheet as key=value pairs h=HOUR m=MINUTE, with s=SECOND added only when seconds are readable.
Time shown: h=2 m=51 s=7
